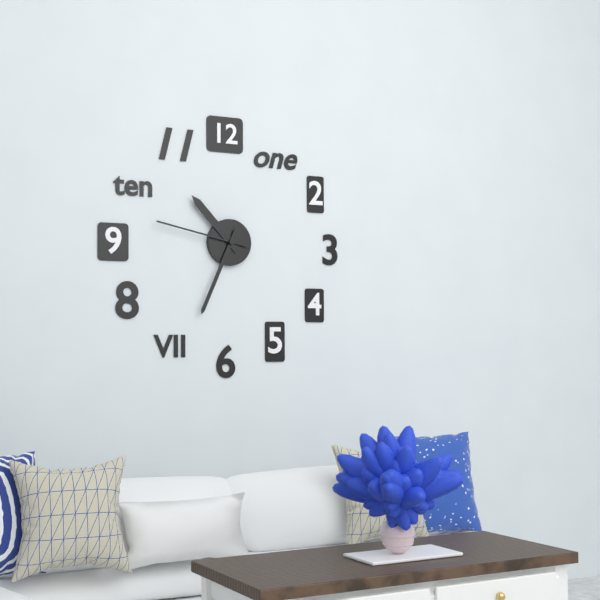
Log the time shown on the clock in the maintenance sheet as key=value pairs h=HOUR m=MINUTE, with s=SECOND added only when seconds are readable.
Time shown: h=10 m=34 s=47
